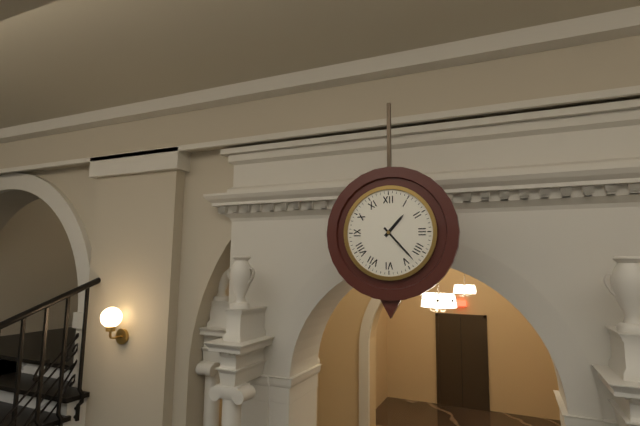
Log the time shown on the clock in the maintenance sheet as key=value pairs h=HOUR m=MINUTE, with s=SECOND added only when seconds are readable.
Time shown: h=1 m=23
